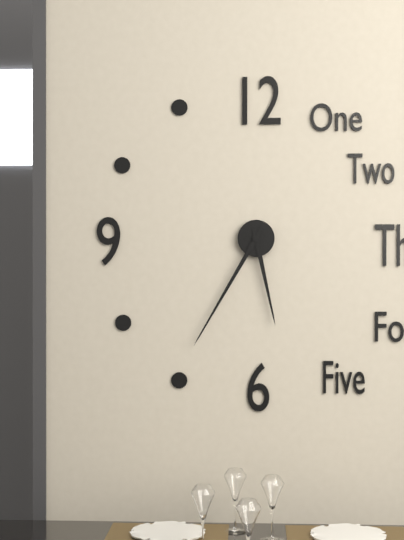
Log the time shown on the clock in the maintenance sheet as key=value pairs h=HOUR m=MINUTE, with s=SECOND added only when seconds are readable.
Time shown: h=5 m=35
